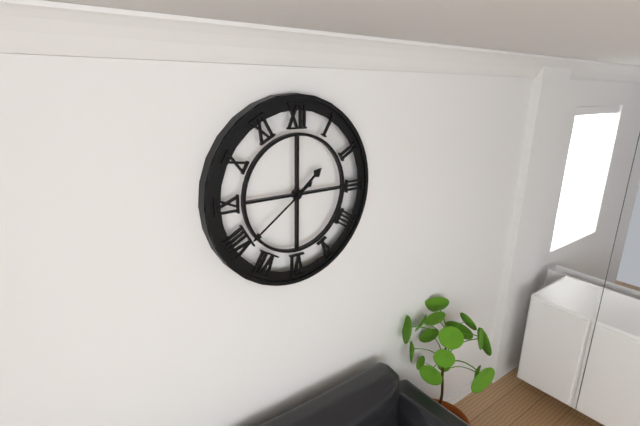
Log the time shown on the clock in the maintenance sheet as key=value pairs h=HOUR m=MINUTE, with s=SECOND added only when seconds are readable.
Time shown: h=1 m=39
